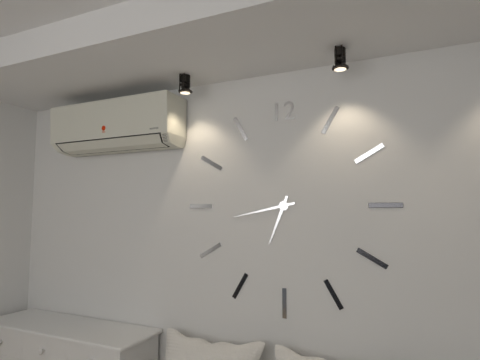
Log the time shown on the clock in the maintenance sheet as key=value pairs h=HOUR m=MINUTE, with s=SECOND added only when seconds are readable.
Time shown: h=6 m=43
